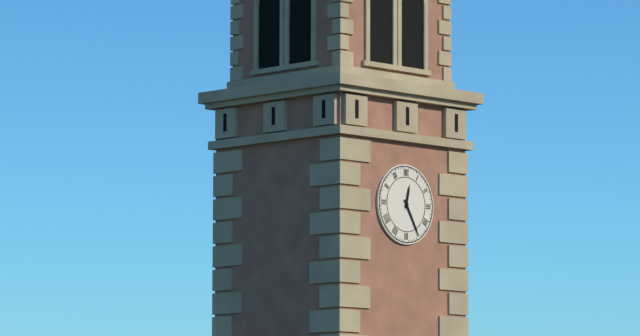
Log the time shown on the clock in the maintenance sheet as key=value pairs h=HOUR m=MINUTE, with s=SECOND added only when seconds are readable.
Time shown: h=12 m=25
